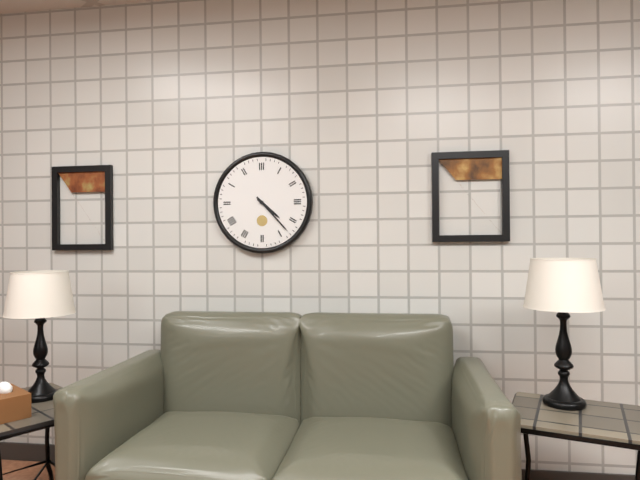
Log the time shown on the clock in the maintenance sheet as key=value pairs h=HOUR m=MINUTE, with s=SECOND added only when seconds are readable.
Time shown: h=4 m=23
